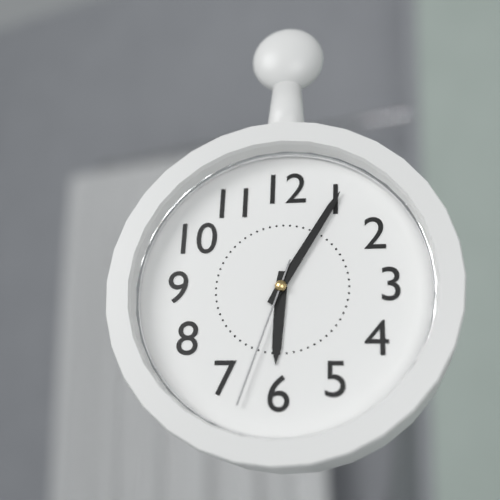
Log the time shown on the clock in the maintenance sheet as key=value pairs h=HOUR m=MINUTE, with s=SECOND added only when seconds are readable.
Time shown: h=6 m=5 s=33
